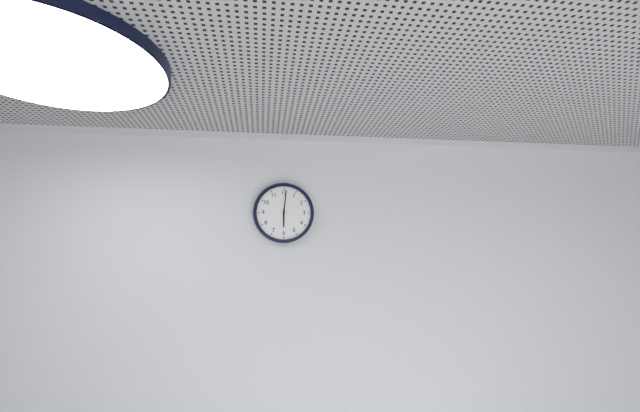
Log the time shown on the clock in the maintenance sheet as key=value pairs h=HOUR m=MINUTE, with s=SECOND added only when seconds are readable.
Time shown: h=6 m=1
